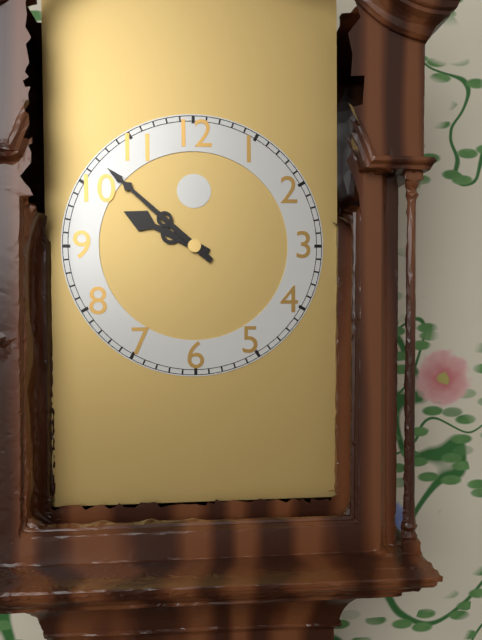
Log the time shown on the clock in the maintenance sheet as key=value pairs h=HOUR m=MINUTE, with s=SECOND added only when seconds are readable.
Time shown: h=9 m=52
